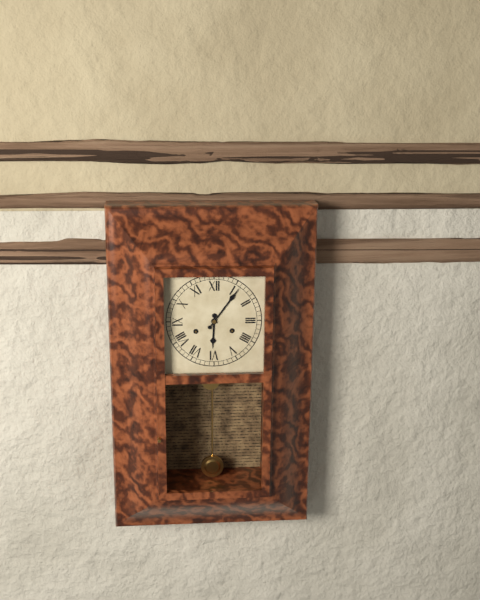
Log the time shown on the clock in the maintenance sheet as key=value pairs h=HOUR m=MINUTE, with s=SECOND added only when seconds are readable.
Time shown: h=6 m=6
